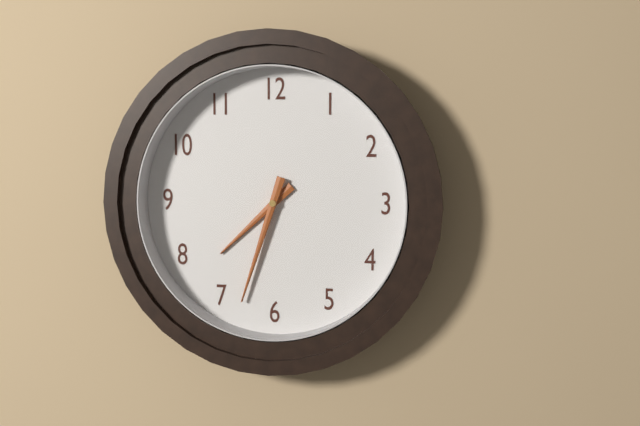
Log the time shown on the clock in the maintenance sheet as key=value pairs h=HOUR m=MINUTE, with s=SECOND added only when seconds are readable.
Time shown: h=7 m=33
